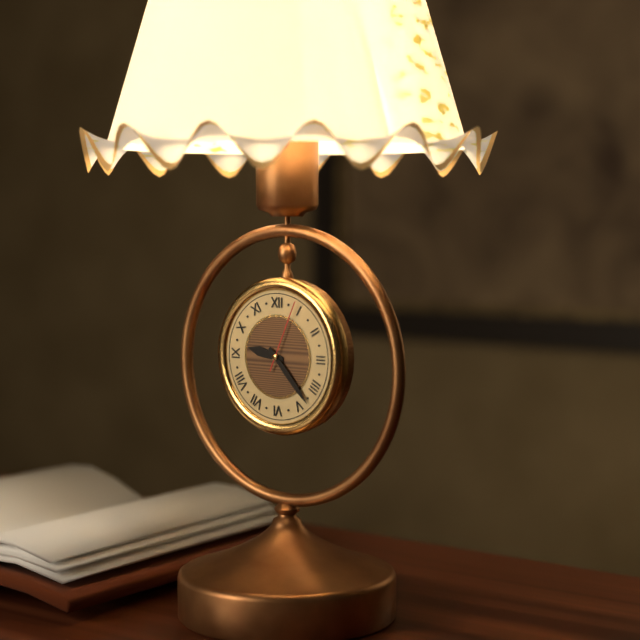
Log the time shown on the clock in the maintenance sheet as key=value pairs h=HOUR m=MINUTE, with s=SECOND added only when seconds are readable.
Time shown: h=9 m=23 s=4
